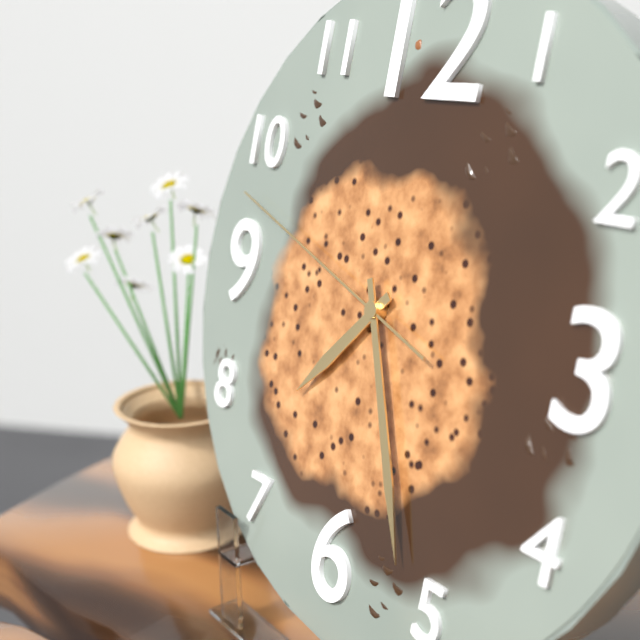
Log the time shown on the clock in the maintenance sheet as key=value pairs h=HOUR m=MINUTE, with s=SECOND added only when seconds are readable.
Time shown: h=7 m=26 s=48
